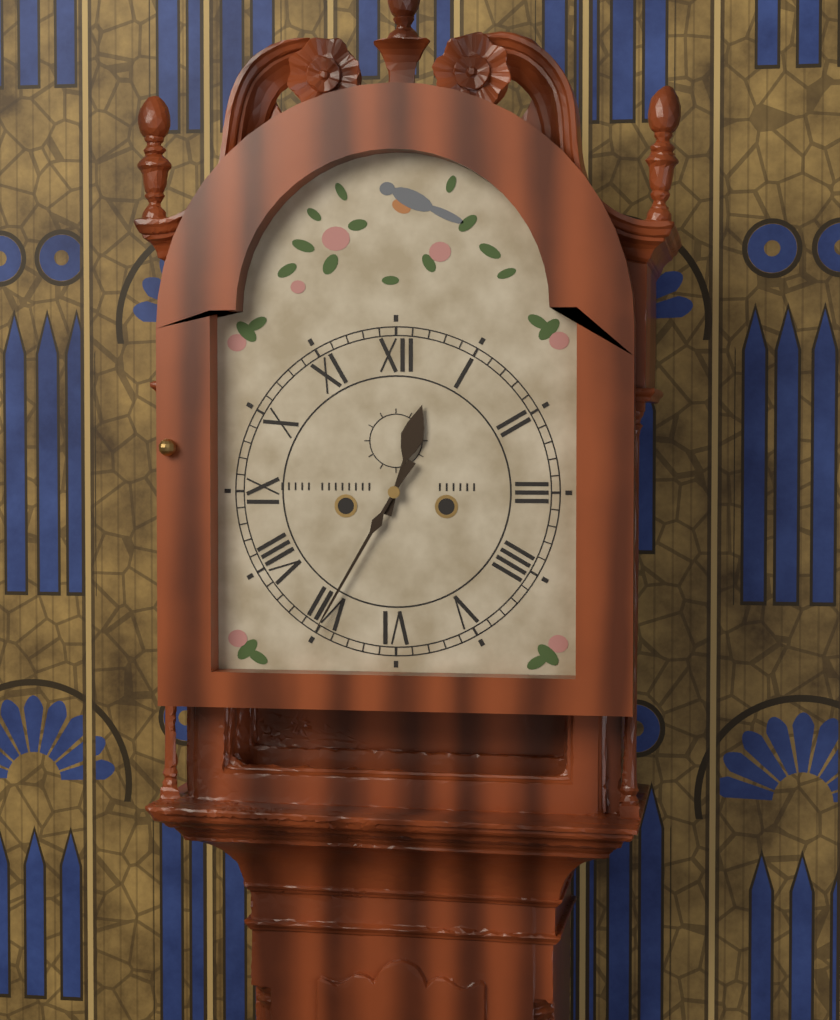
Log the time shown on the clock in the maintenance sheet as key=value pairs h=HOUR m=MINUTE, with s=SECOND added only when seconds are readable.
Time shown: h=12 m=35
